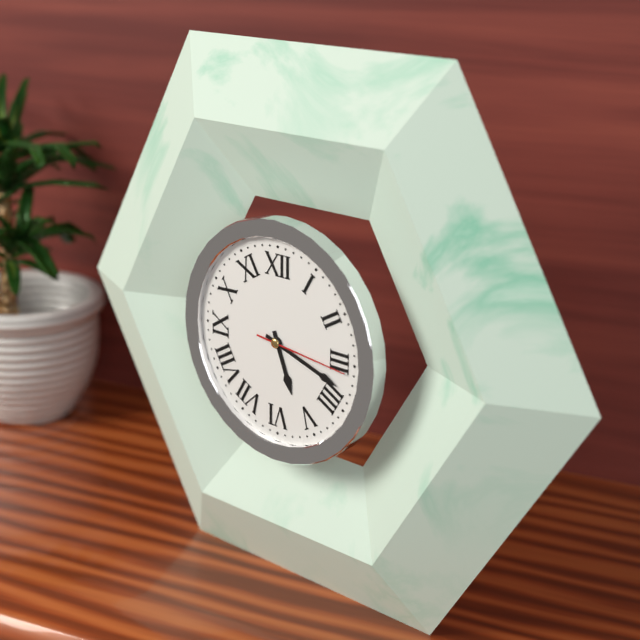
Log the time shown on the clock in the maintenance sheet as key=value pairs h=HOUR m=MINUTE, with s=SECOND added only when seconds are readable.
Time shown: h=5 m=18 s=16
